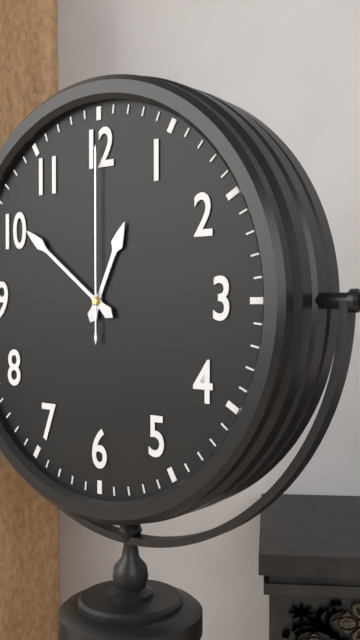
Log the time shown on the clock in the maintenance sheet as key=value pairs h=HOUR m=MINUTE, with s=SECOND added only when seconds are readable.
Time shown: h=12 m=51 s=0
